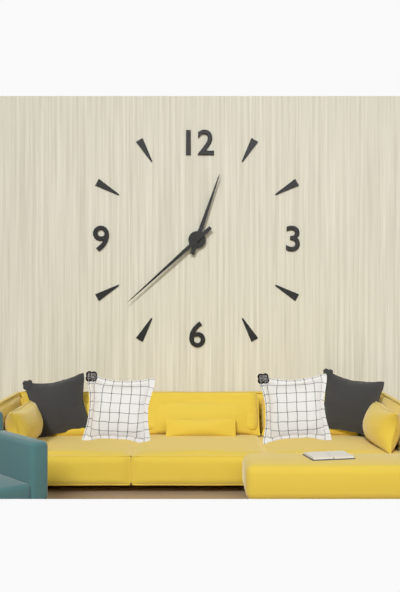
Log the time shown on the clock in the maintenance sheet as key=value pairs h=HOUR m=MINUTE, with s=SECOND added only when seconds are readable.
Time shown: h=12 m=38
